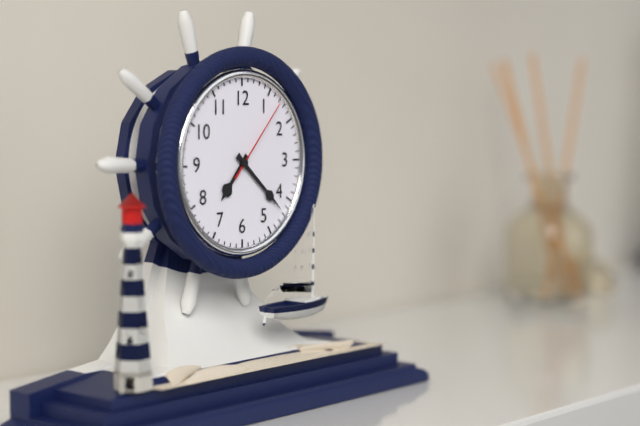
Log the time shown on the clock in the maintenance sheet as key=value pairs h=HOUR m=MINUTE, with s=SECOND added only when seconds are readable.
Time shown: h=7 m=22 s=7
